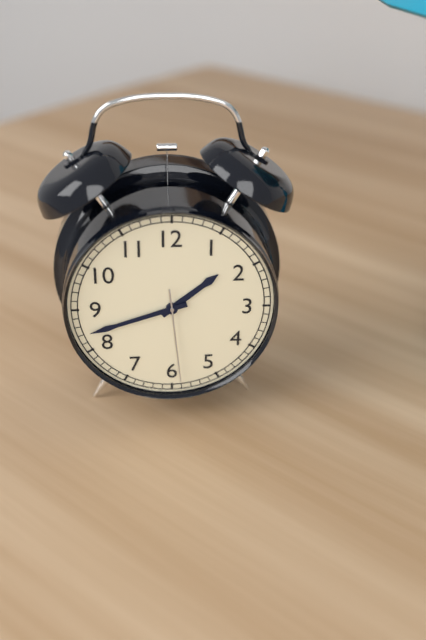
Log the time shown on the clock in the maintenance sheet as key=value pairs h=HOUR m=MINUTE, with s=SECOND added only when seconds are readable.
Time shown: h=1 m=42 s=29
